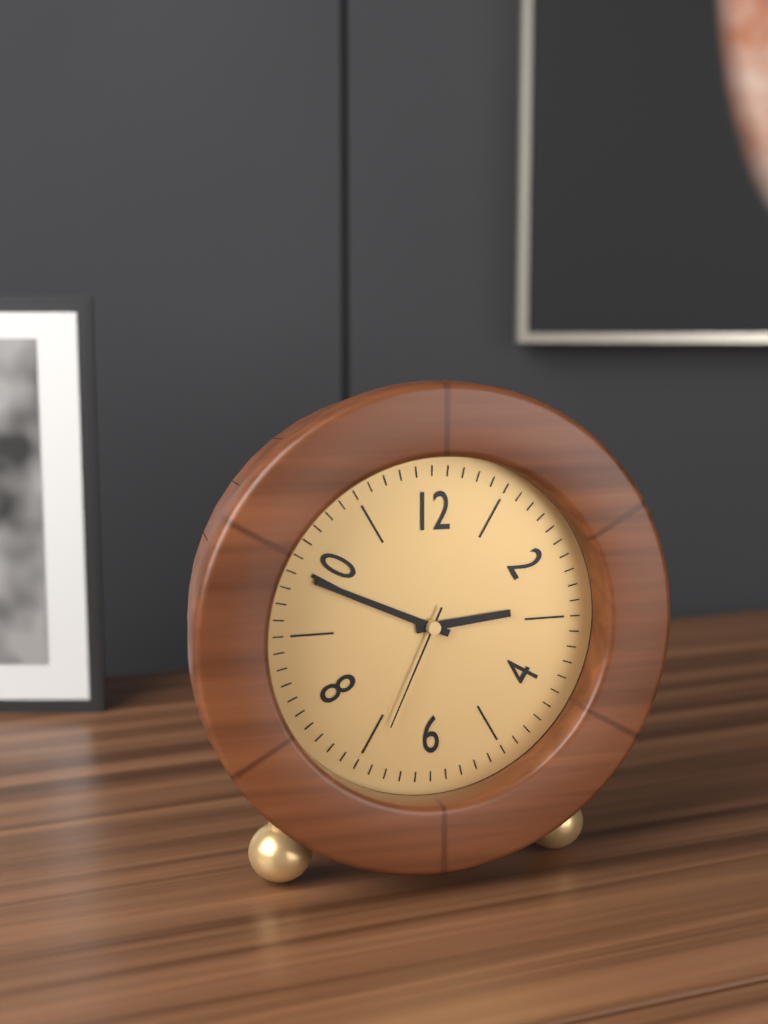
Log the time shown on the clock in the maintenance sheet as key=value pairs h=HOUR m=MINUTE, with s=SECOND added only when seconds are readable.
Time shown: h=2 m=49 s=34
